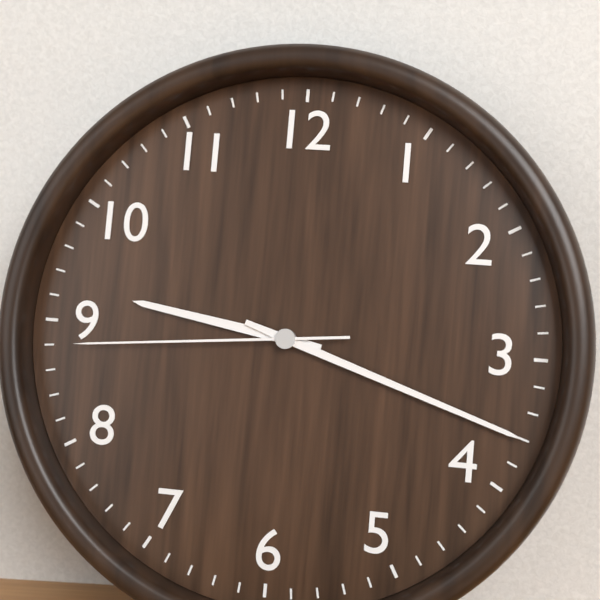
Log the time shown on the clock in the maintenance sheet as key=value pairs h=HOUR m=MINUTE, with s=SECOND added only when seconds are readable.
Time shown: h=9 m=18 s=44
